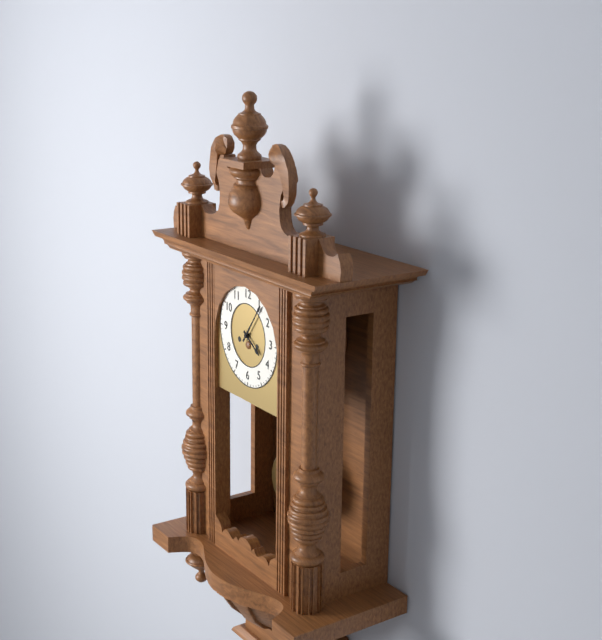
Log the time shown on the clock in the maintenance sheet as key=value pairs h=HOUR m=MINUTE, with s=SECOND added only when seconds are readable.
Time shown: h=4 m=6
